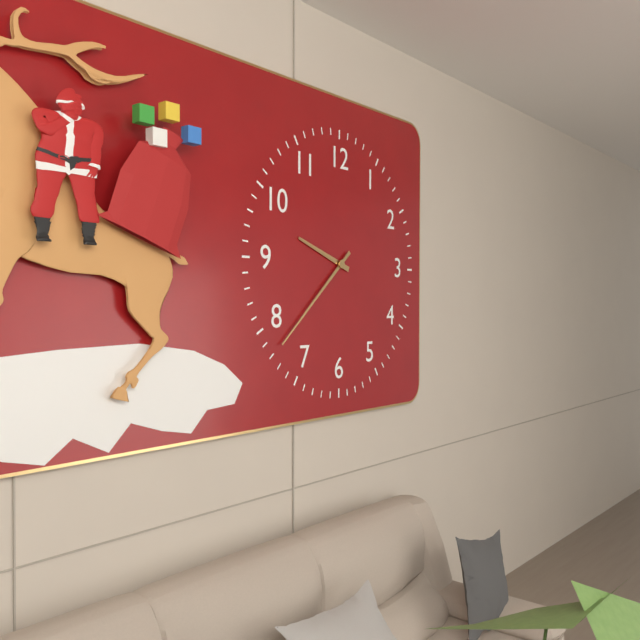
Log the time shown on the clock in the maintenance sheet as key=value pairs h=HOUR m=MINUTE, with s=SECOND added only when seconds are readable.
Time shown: h=9 m=38
